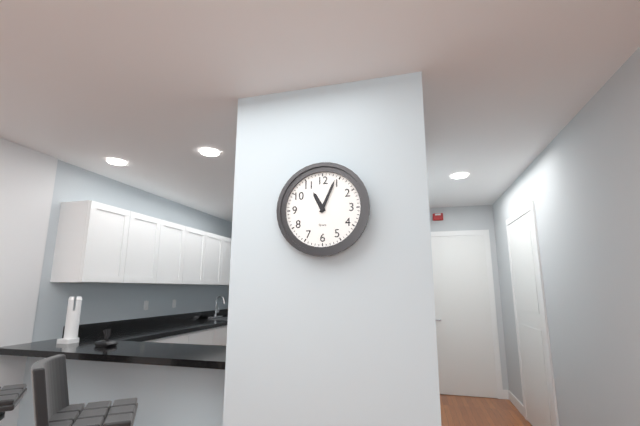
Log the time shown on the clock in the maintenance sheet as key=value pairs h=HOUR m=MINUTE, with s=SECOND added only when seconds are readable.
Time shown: h=11 m=4
